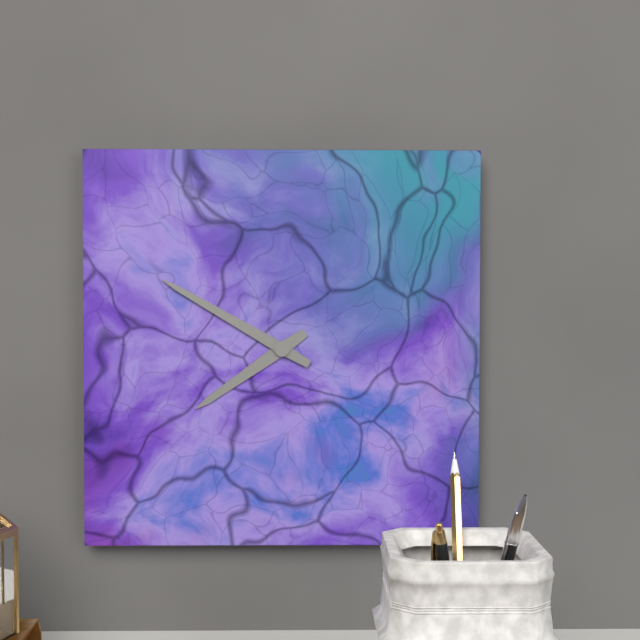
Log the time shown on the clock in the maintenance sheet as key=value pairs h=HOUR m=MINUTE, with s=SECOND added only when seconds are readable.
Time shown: h=7 m=50
